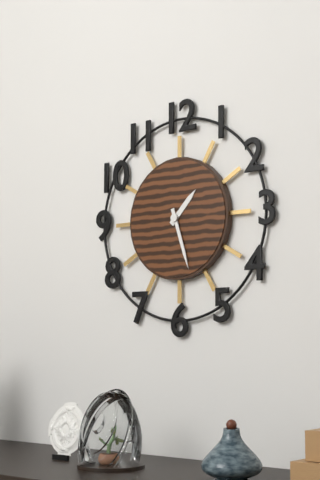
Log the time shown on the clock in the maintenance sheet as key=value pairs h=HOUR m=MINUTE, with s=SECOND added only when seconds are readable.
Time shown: h=1 m=27
